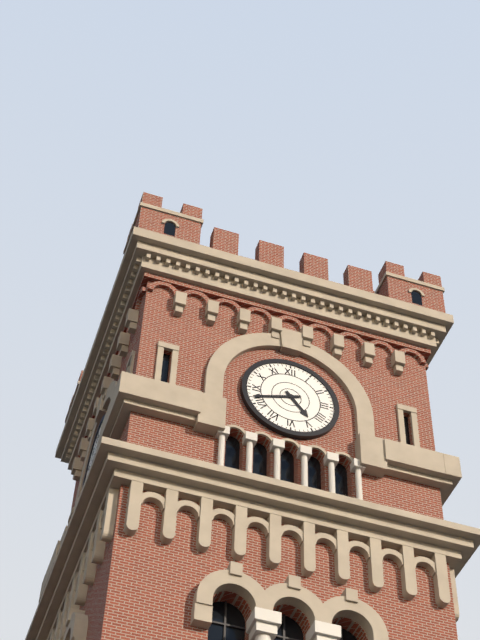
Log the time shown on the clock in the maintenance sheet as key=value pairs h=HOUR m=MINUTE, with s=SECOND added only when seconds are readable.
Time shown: h=4 m=42
